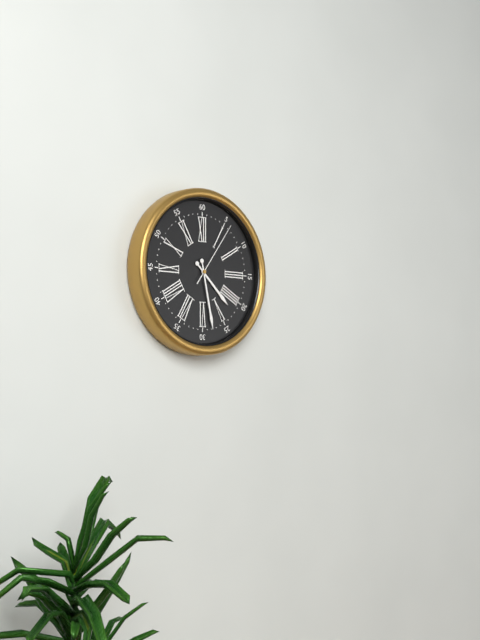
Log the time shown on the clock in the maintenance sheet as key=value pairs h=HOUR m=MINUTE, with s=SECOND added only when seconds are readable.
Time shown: h=4 m=28 s=6
